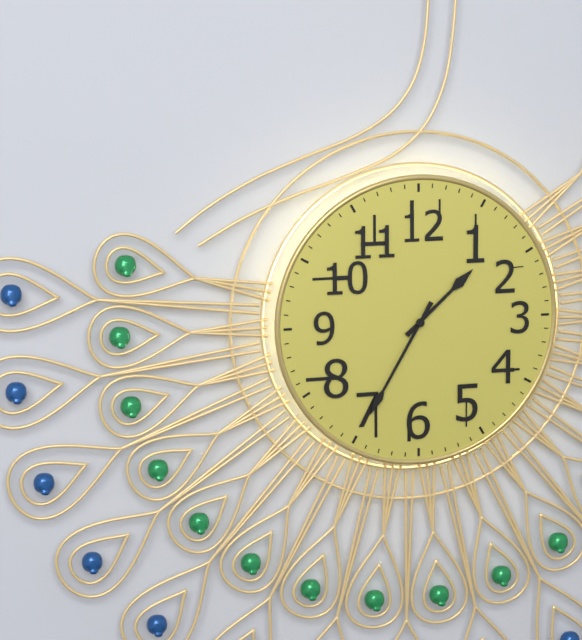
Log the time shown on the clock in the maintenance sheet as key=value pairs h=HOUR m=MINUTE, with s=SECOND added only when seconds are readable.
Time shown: h=1 m=35
